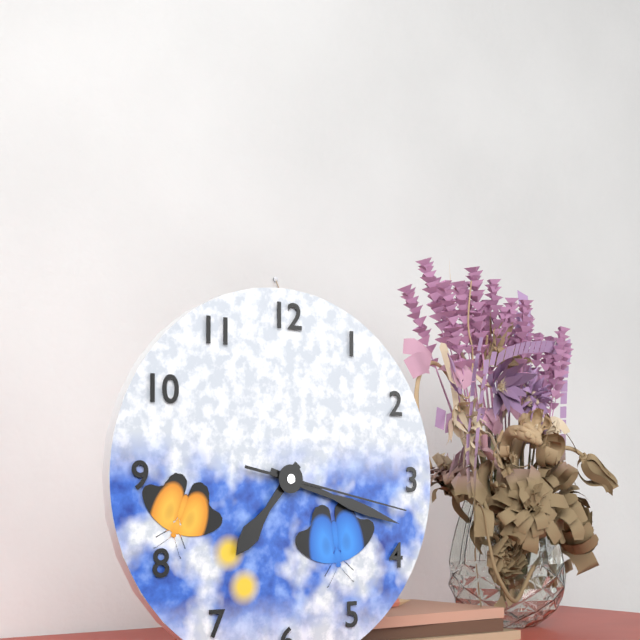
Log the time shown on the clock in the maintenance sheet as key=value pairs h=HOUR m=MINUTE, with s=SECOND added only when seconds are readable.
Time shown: h=7 m=18 s=17
